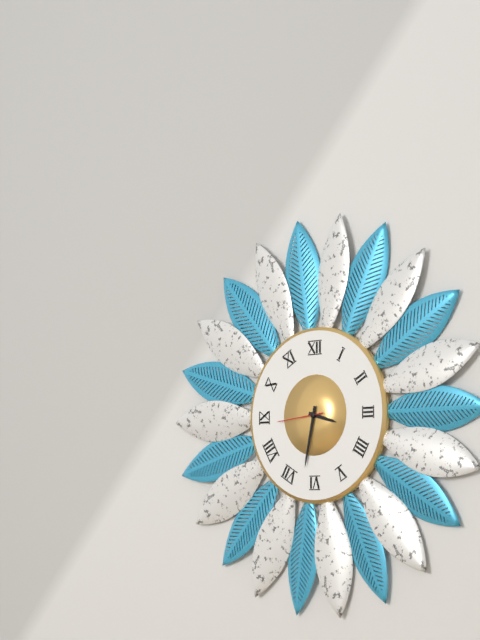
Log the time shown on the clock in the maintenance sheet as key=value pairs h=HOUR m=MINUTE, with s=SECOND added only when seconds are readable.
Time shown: h=3 m=32 s=44
